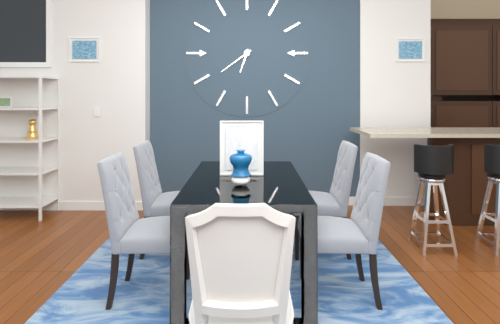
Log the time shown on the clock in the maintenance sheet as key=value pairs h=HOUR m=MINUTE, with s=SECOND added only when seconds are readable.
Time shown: h=6 m=39
